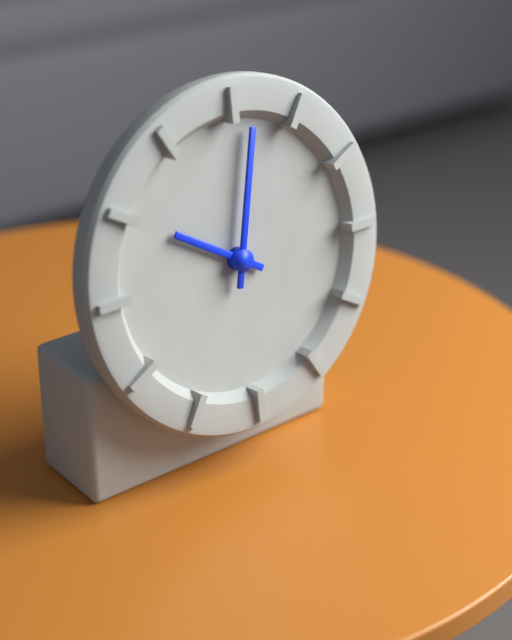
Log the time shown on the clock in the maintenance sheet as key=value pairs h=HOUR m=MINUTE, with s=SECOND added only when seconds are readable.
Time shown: h=10 m=2
